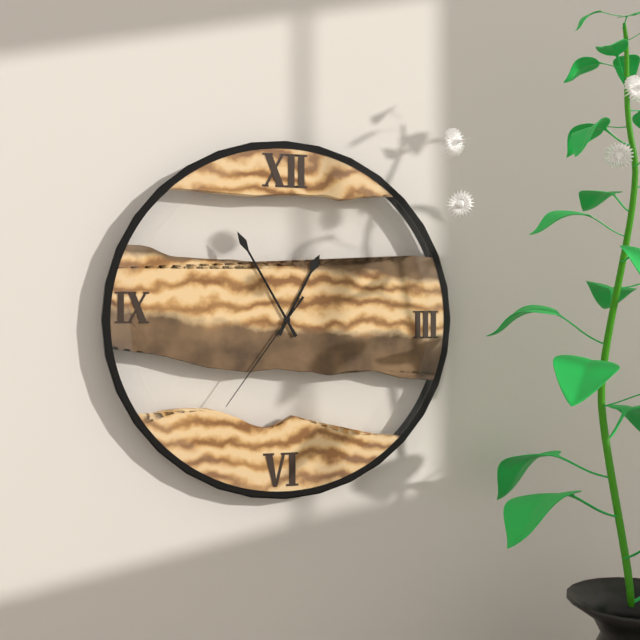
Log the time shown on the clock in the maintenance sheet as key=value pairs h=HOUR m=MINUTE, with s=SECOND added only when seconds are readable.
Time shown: h=12 m=55 s=36
